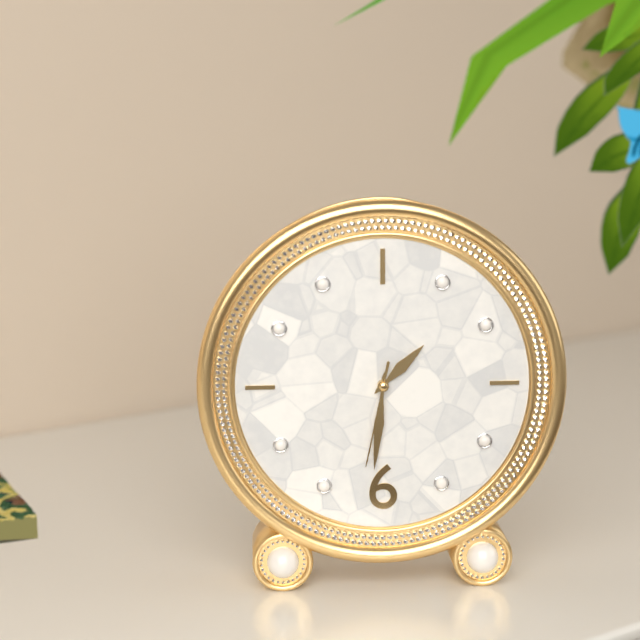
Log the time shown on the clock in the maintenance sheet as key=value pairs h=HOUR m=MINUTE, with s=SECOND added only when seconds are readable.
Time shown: h=1 m=31 s=32
